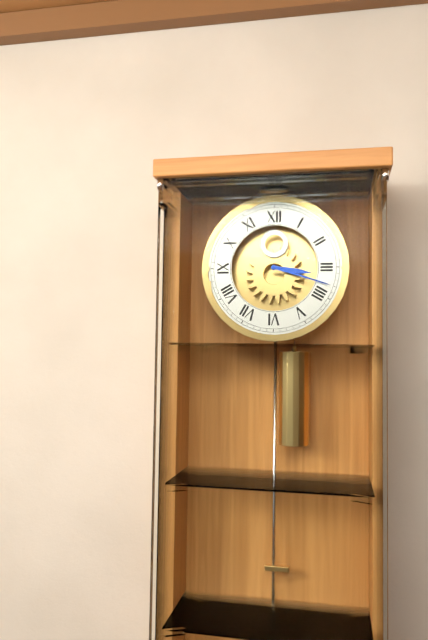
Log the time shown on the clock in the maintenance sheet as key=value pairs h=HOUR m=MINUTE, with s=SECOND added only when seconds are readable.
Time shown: h=3 m=18
